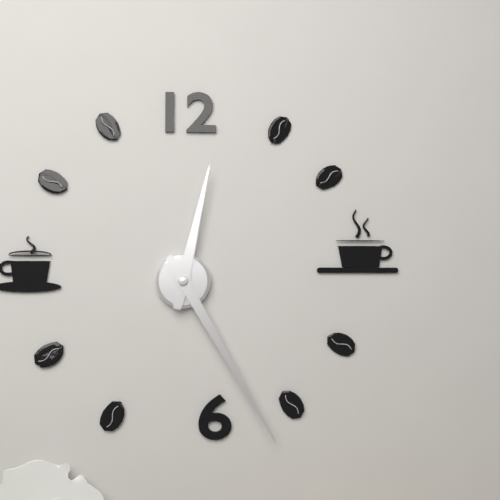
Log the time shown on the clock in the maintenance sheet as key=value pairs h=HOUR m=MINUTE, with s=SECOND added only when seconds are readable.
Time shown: h=12 m=25
